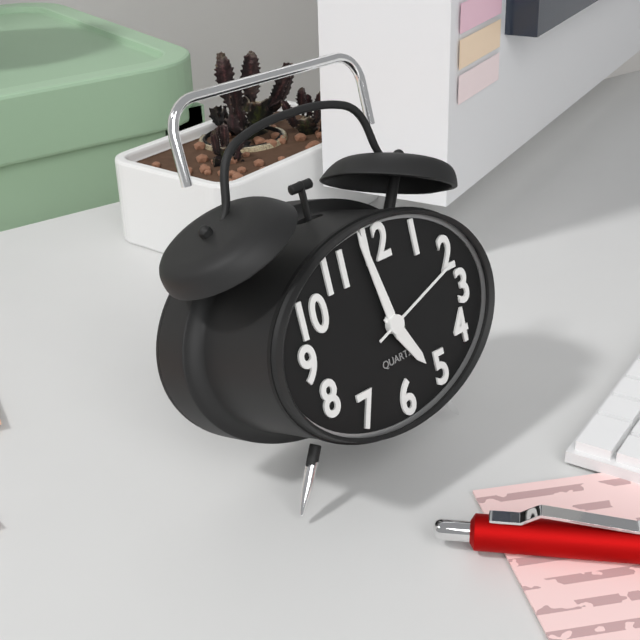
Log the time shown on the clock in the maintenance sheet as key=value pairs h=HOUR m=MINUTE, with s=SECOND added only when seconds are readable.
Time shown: h=4 m=58 s=12
